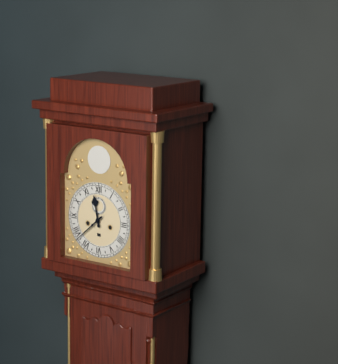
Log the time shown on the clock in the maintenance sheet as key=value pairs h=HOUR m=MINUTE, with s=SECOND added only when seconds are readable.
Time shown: h=11 m=38
